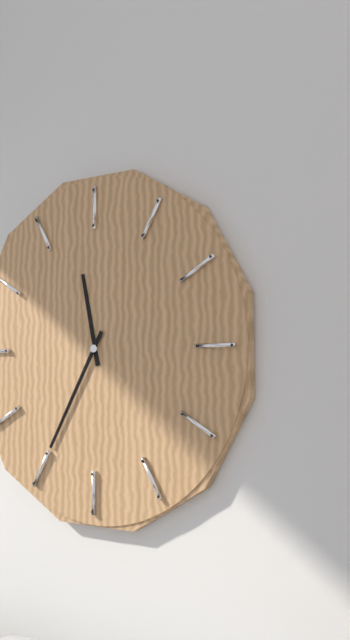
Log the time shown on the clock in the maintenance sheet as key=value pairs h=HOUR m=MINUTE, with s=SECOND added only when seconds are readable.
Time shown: h=11 m=35
